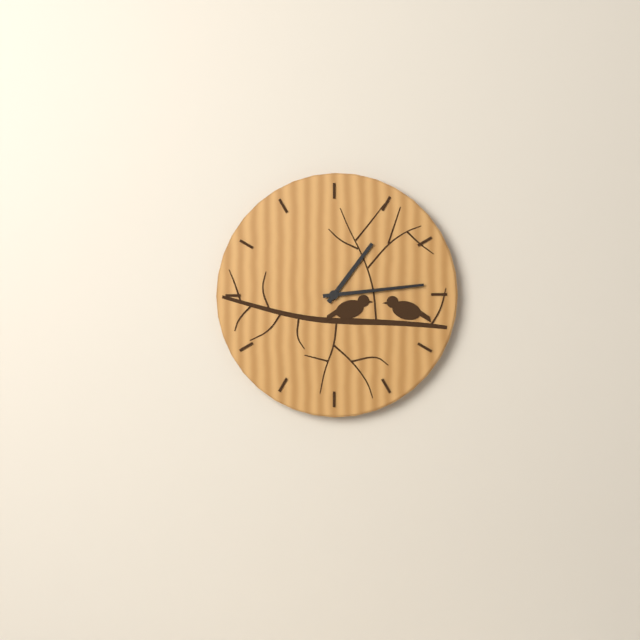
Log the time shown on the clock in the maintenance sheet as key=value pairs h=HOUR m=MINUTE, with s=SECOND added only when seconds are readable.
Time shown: h=1 m=14
